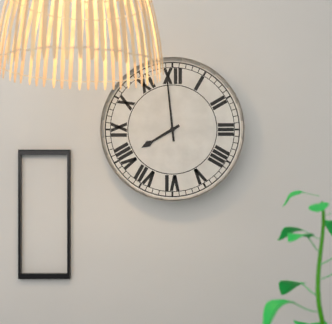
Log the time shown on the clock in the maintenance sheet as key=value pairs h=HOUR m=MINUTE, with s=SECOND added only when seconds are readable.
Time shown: h=7 m=59
